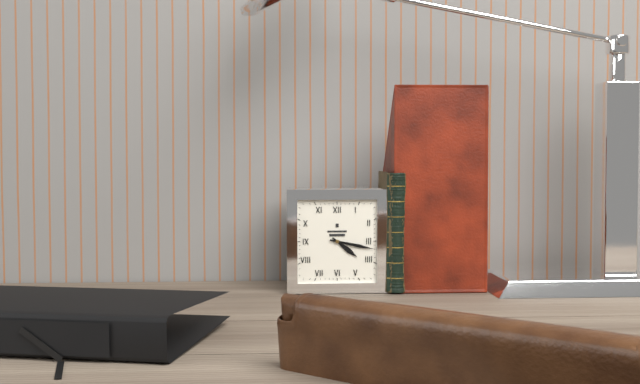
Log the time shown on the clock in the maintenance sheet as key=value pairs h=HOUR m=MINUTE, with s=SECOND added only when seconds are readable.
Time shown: h=4 m=17
